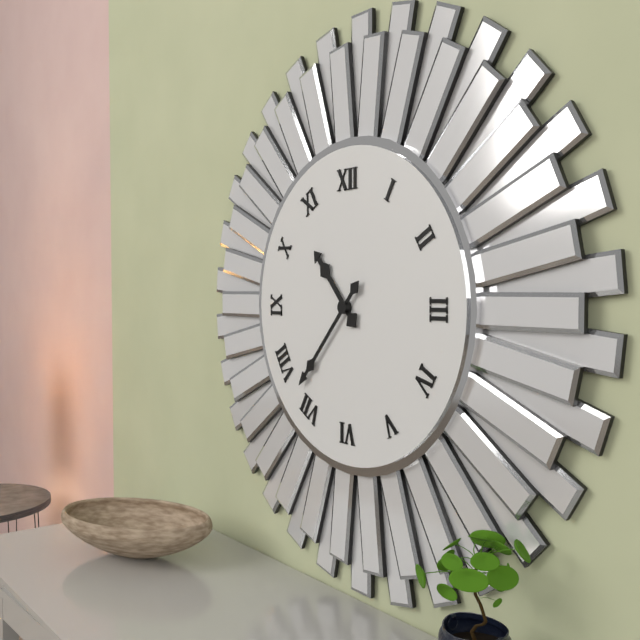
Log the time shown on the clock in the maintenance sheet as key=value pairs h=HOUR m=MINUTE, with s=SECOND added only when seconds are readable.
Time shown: h=10 m=37
